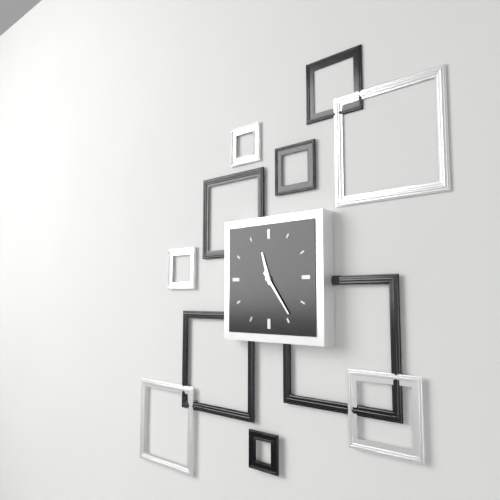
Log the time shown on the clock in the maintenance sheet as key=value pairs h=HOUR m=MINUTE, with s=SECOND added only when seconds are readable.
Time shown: h=11 m=24
